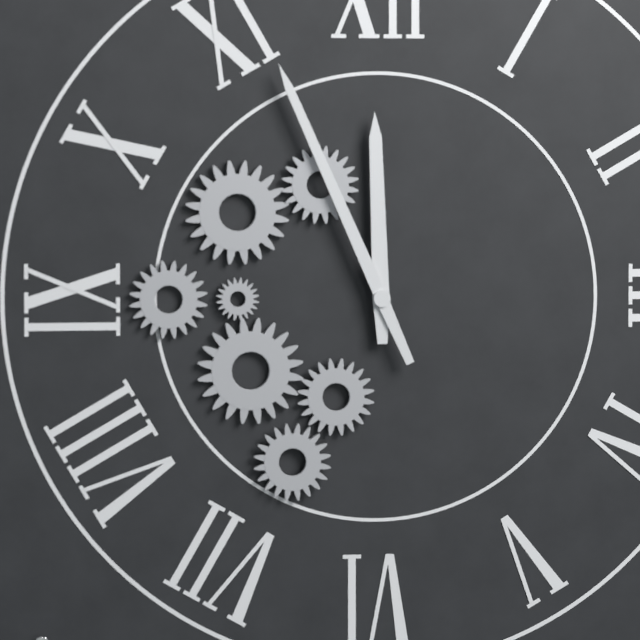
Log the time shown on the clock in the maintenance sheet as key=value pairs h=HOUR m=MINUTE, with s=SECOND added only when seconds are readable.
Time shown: h=11 m=56
